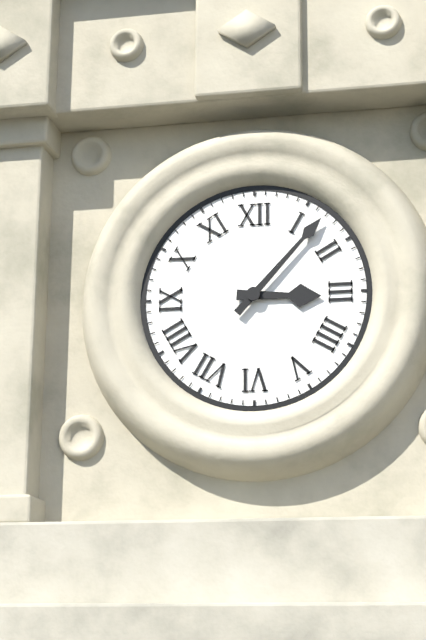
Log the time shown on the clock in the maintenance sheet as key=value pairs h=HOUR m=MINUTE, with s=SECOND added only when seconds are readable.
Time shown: h=3 m=7
